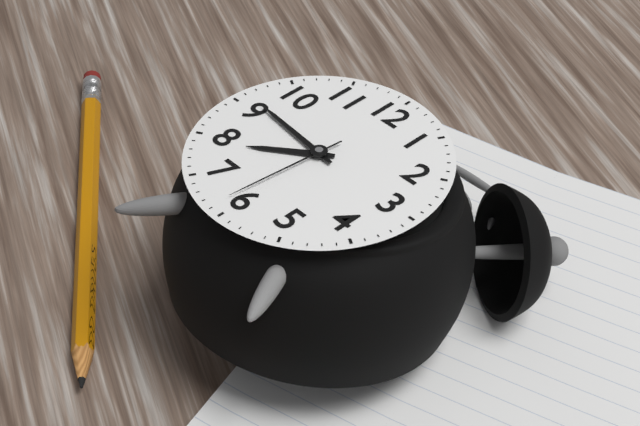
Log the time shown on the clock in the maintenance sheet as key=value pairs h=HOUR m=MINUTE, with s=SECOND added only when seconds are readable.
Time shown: h=7 m=46 s=31
